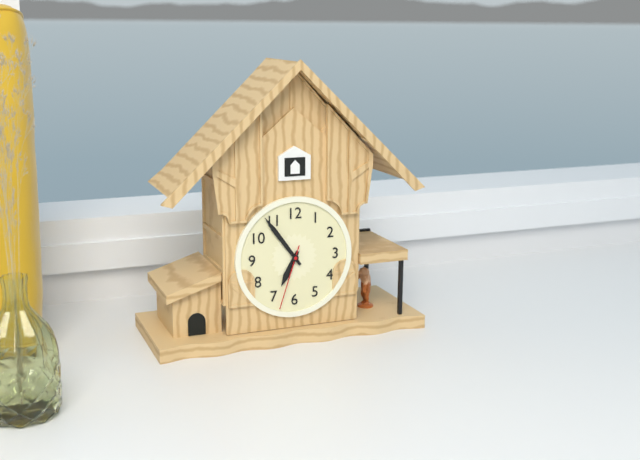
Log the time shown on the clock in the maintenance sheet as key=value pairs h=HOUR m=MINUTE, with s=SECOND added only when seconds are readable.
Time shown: h=6 m=54 s=33
